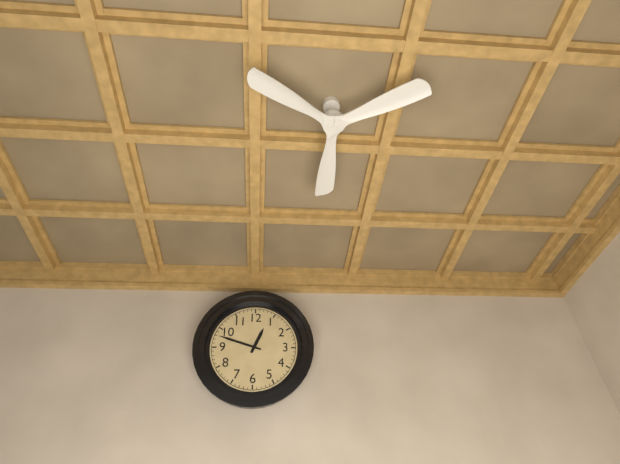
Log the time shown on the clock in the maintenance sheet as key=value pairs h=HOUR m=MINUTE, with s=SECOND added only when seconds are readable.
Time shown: h=12 m=48
